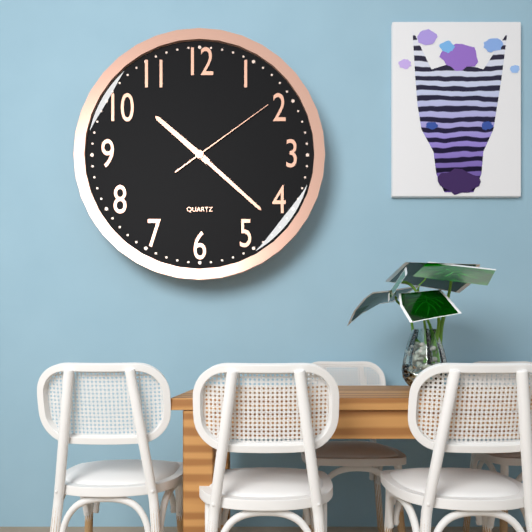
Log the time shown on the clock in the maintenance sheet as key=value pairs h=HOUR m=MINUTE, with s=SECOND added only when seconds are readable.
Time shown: h=10 m=22 s=9
